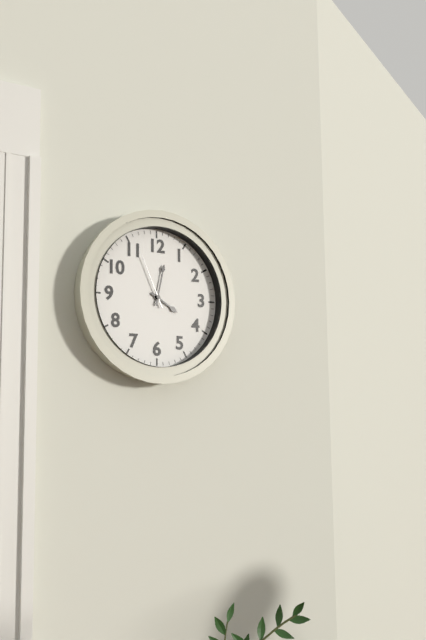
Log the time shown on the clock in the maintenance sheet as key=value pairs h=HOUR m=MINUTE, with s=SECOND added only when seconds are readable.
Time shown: h=4 m=2 s=56
